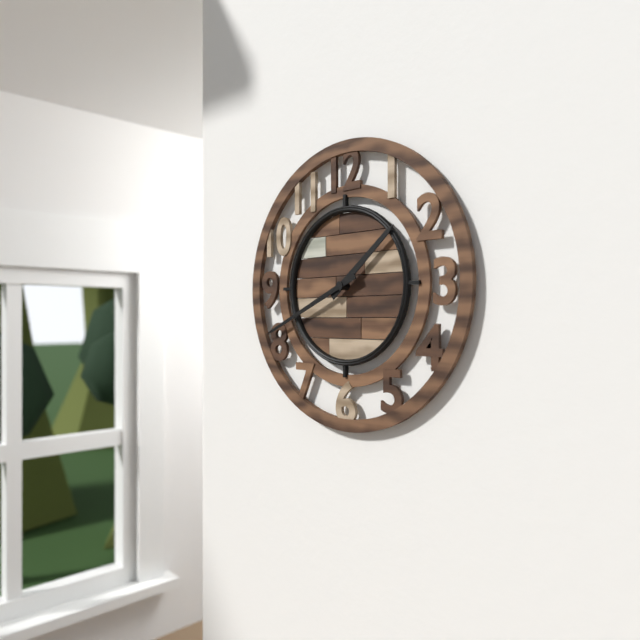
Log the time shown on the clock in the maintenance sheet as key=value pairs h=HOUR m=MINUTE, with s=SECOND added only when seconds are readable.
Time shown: h=1 m=41
